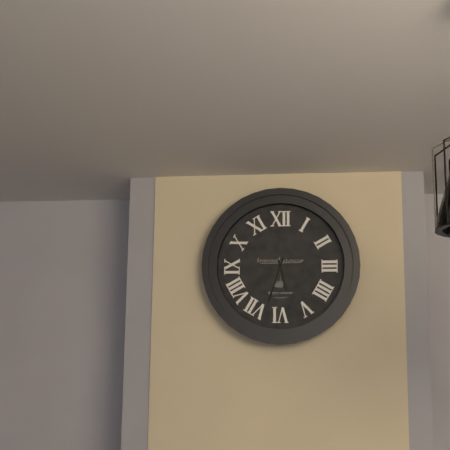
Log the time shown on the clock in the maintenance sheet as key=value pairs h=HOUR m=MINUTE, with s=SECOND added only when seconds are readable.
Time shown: h=5 m=33
